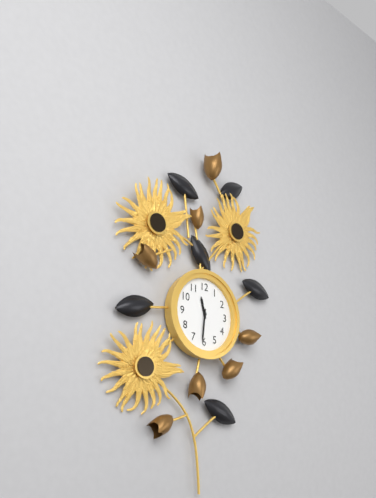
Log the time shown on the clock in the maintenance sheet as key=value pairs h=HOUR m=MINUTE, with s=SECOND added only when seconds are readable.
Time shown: h=11 m=31
